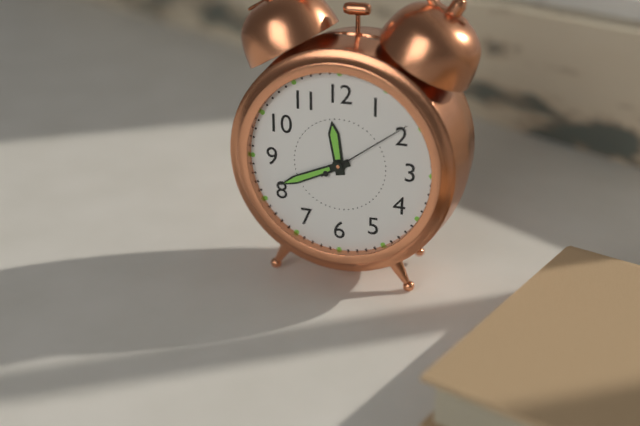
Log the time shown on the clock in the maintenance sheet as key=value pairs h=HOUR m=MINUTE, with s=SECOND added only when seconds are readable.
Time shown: h=11 m=41 s=9
